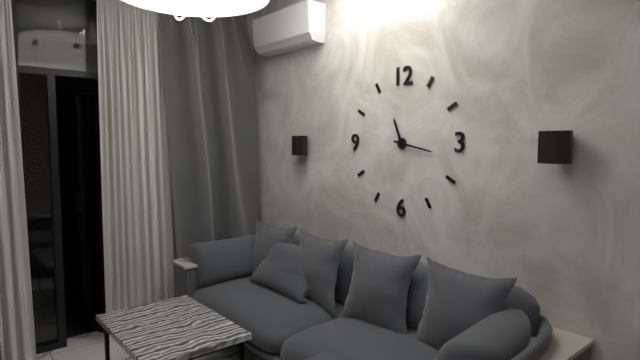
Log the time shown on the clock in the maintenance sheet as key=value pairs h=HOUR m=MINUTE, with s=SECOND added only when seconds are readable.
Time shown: h=11 m=17
